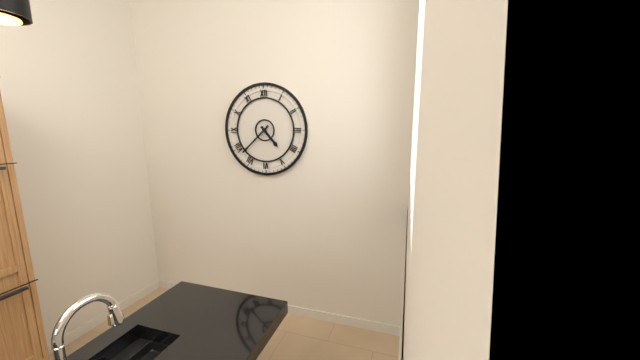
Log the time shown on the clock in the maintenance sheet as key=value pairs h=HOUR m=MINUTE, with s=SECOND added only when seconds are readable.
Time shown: h=4 m=38
